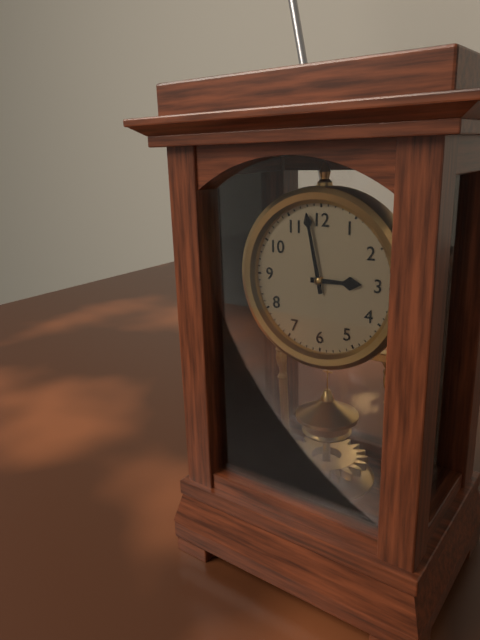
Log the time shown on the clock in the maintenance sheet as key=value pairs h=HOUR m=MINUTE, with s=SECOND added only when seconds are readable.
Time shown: h=2 m=58
